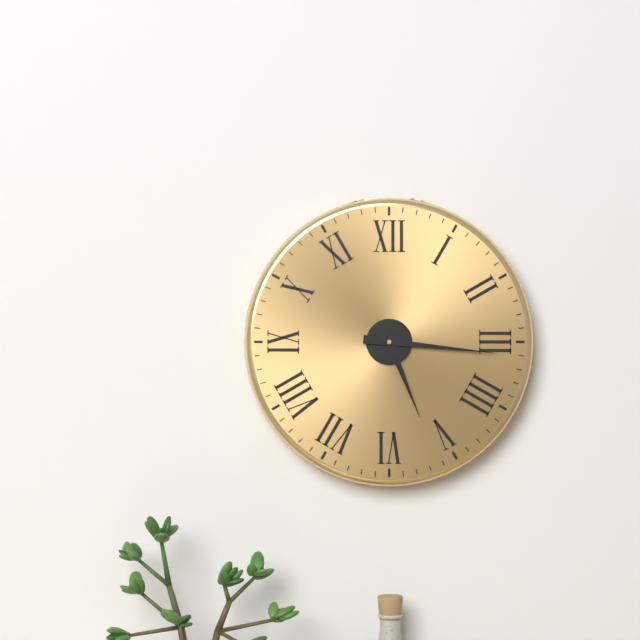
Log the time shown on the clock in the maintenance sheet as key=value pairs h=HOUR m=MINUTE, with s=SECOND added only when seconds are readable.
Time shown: h=5 m=16
